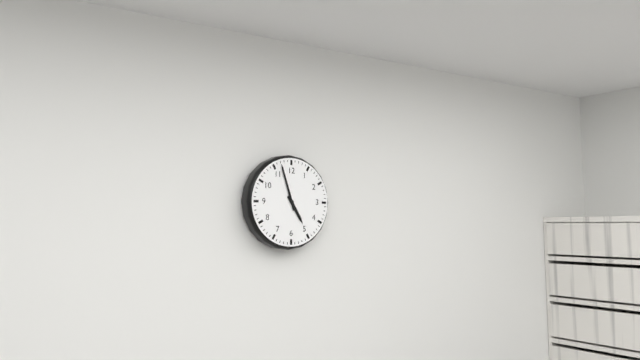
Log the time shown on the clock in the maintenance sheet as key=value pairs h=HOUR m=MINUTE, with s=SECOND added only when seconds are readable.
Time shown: h=4 m=57
